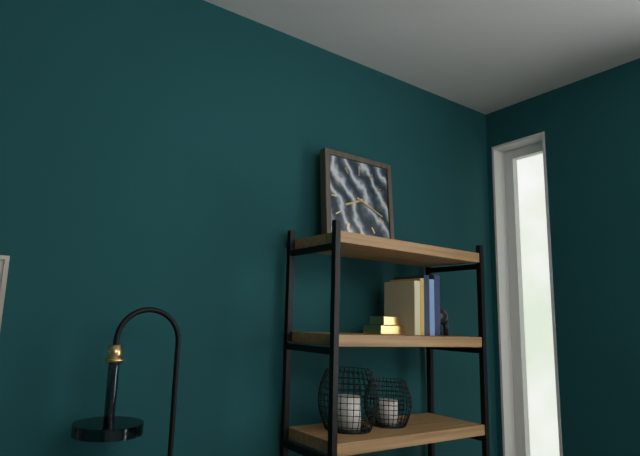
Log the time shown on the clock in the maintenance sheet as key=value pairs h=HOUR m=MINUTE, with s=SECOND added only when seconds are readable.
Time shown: h=8 m=19
